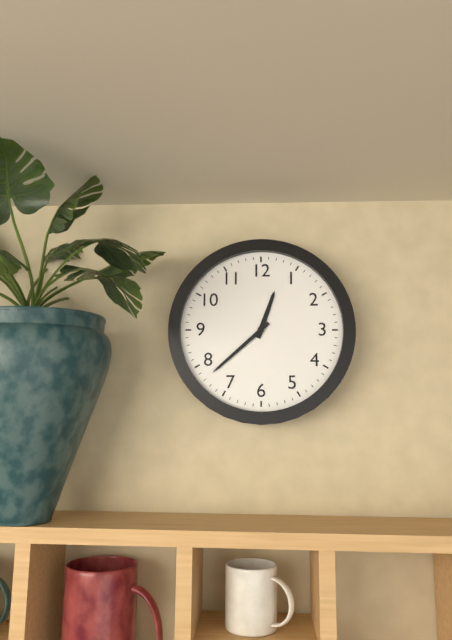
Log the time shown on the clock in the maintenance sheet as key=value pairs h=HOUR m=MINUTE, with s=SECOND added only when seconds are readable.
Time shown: h=12 m=38
